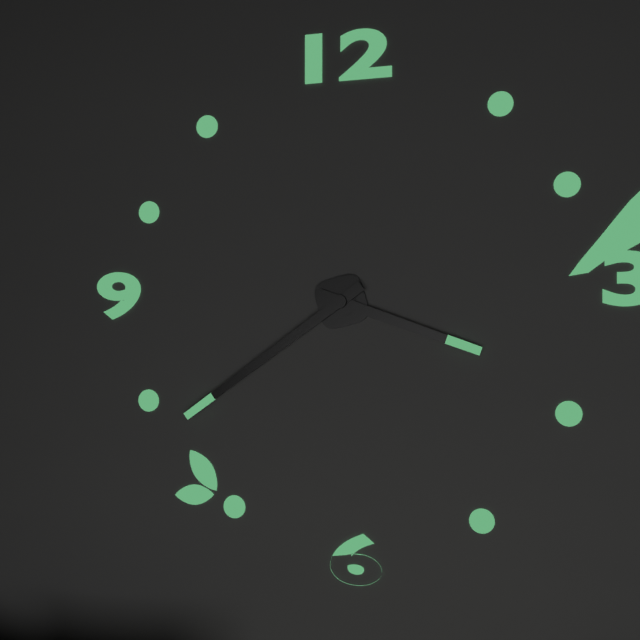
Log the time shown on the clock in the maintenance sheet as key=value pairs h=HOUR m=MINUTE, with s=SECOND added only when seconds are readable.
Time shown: h=3 m=39
